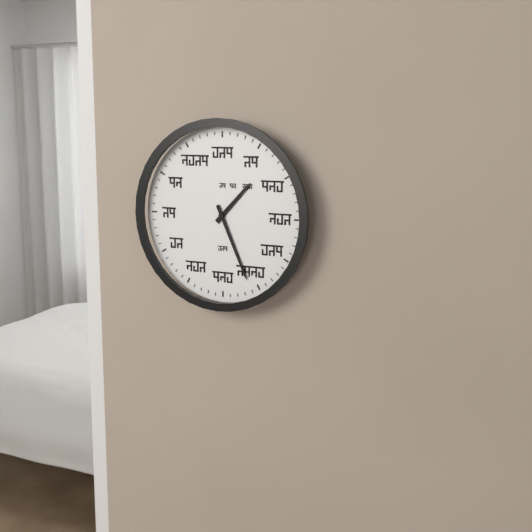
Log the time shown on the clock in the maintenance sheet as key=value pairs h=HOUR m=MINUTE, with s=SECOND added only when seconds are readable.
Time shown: h=1 m=26
